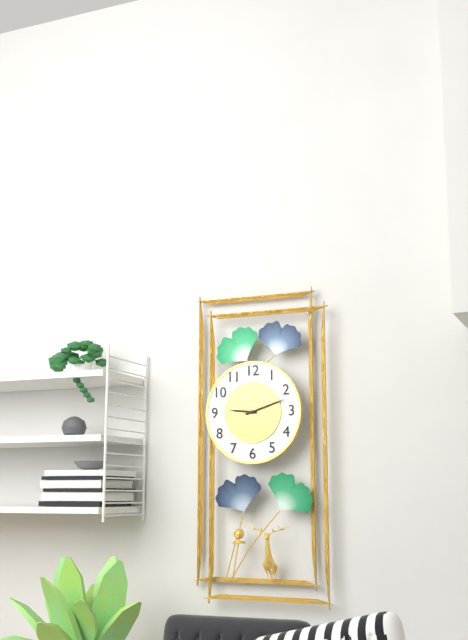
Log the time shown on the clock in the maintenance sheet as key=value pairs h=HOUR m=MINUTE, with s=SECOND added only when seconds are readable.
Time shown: h=9 m=12
